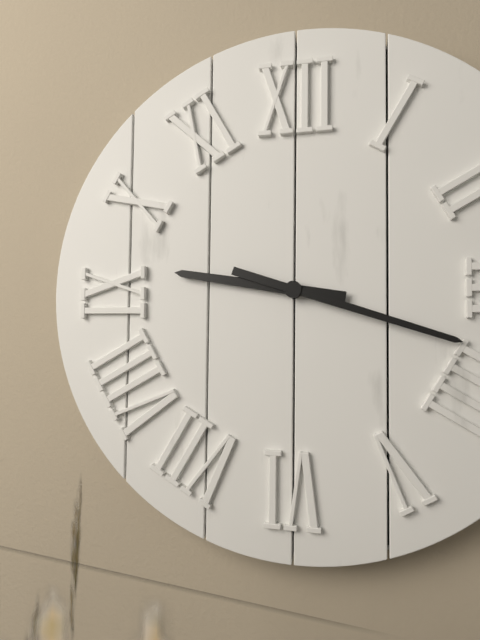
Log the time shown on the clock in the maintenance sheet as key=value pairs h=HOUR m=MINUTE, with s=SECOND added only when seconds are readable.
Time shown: h=9 m=18
